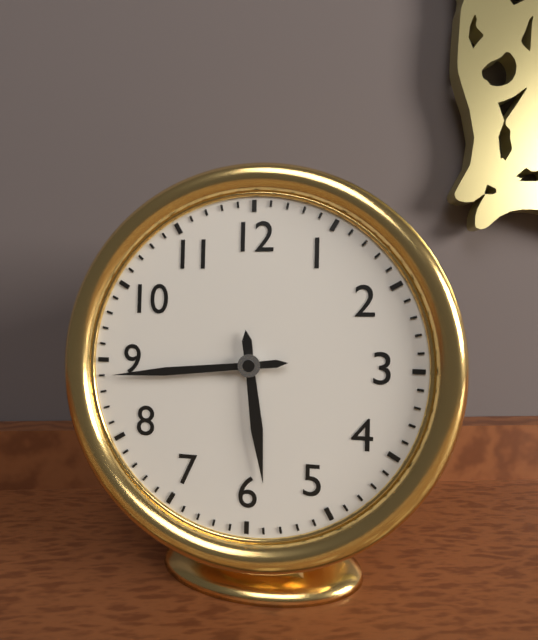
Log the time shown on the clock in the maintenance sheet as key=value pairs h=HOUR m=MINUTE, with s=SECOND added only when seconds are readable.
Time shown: h=5 m=44
